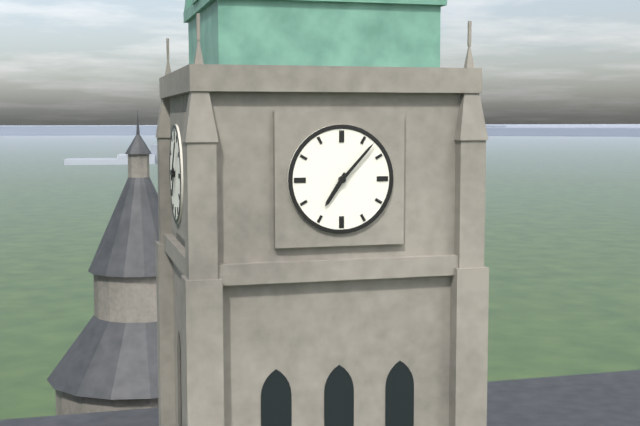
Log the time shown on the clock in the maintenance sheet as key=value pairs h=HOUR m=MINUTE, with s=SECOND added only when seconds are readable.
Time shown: h=7 m=7
